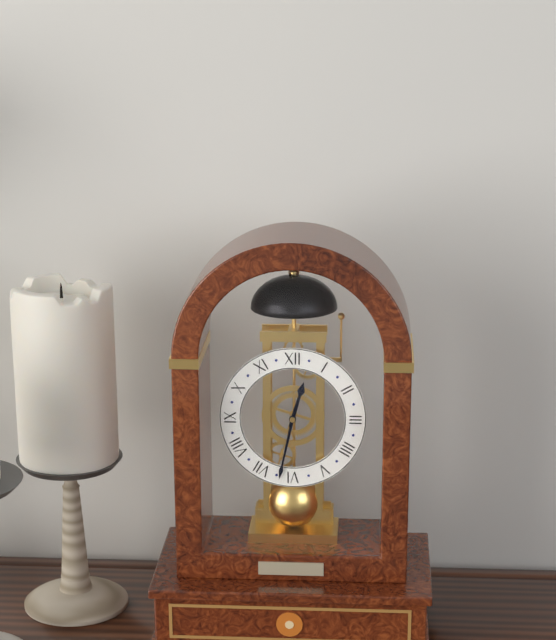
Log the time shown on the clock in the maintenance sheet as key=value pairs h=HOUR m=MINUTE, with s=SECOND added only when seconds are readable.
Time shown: h=12 m=32
